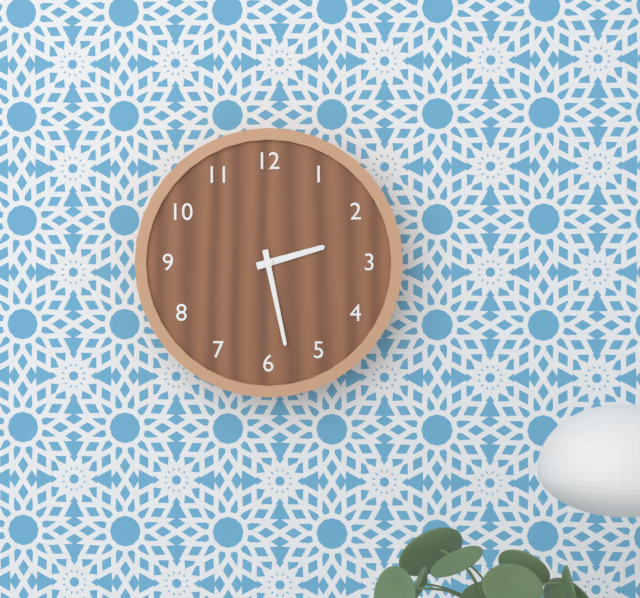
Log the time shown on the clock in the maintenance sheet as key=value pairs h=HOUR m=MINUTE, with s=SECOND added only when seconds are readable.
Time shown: h=2 m=28
